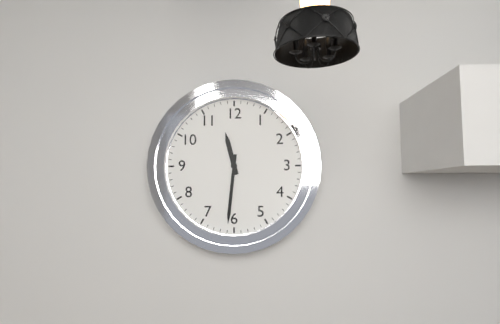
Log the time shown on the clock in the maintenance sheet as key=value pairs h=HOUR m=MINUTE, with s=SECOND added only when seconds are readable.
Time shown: h=11 m=31
